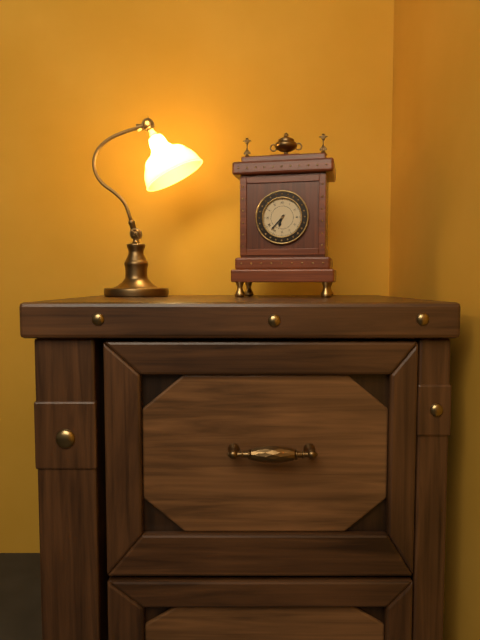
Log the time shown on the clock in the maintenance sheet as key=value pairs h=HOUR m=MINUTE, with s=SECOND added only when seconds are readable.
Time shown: h=6 m=37
